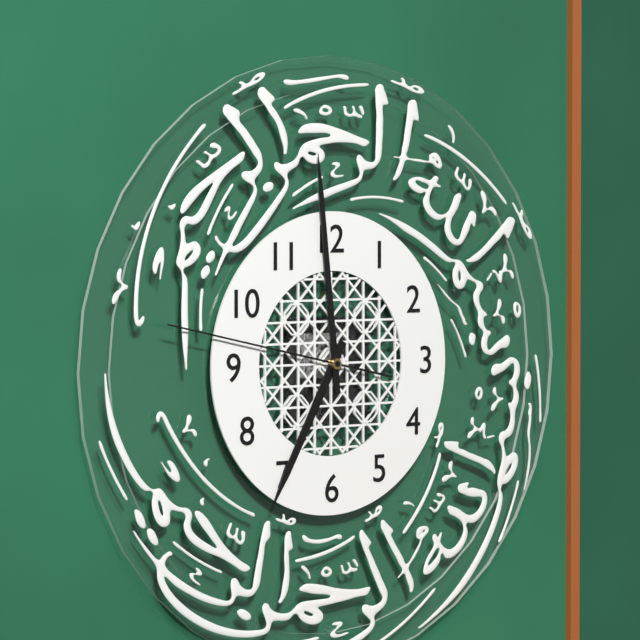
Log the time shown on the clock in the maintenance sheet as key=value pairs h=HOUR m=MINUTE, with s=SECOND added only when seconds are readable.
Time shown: h=6 m=59 s=47
